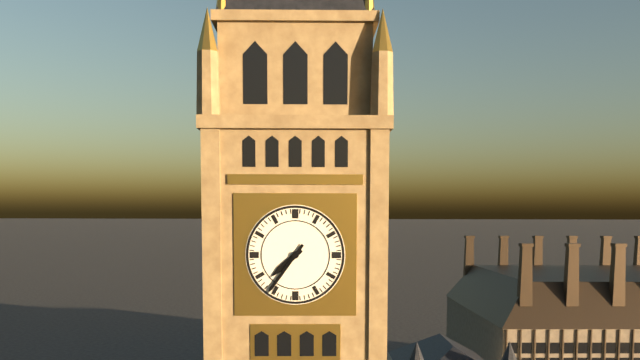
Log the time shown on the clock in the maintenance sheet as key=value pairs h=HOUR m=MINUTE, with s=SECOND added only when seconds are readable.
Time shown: h=7 m=36
